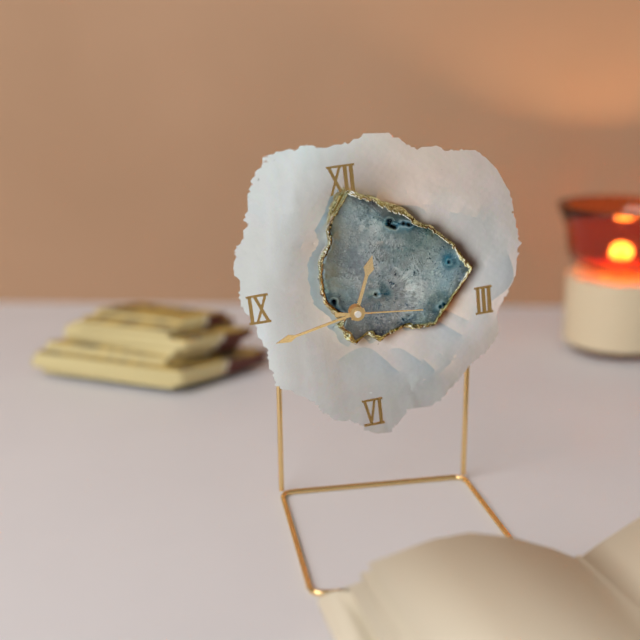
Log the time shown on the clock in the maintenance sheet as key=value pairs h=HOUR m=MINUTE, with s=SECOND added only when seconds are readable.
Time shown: h=12 m=43 s=16
